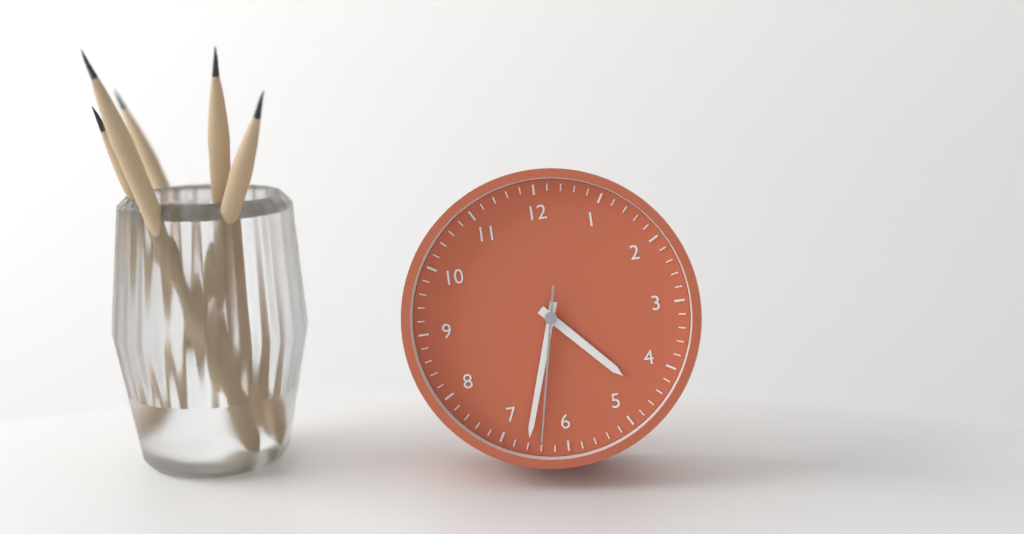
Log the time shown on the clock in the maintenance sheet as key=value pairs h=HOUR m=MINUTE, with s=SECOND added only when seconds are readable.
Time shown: h=4 m=33 s=32
